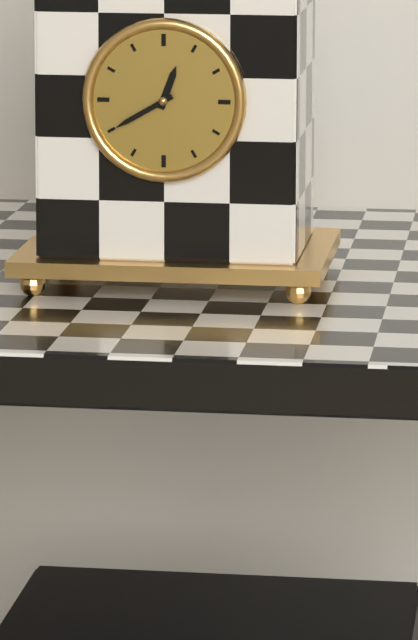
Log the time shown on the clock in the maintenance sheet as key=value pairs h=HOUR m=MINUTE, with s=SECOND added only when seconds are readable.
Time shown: h=12 m=40
